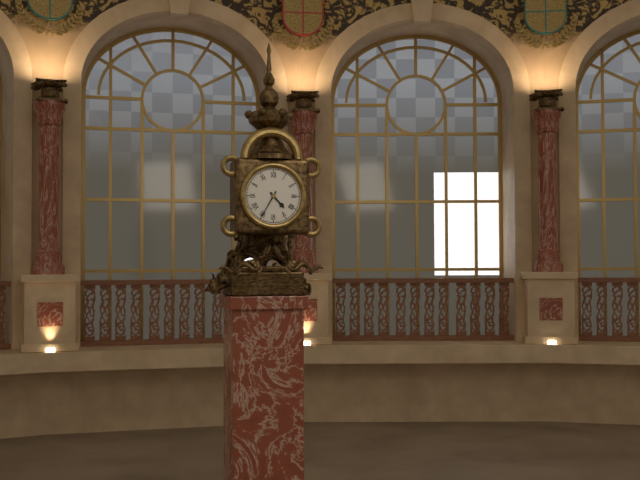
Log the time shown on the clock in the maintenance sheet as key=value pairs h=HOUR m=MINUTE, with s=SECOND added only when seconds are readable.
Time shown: h=4 m=35
